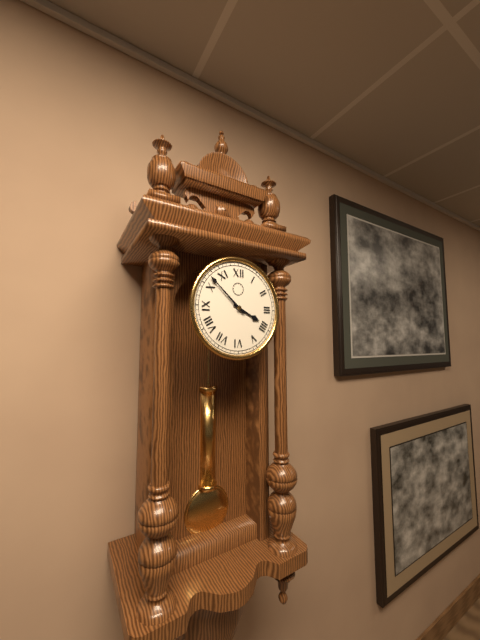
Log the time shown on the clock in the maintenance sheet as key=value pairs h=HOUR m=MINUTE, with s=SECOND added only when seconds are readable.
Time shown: h=3 m=52
